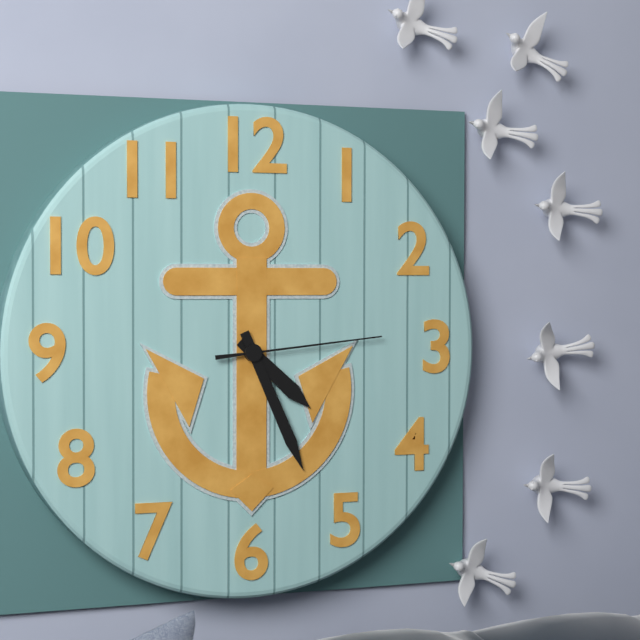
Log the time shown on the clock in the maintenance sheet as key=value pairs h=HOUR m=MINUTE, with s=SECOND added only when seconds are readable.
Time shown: h=4 m=26 s=14
